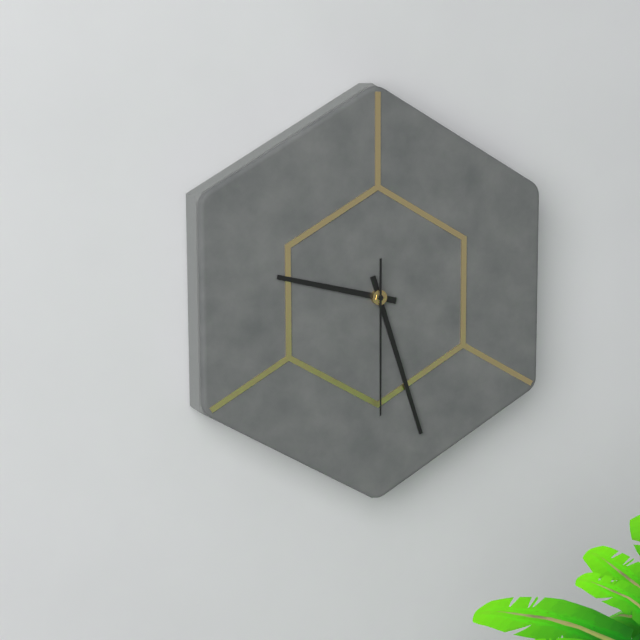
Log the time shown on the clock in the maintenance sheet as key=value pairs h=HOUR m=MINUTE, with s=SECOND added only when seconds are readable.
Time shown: h=9 m=27 s=30
